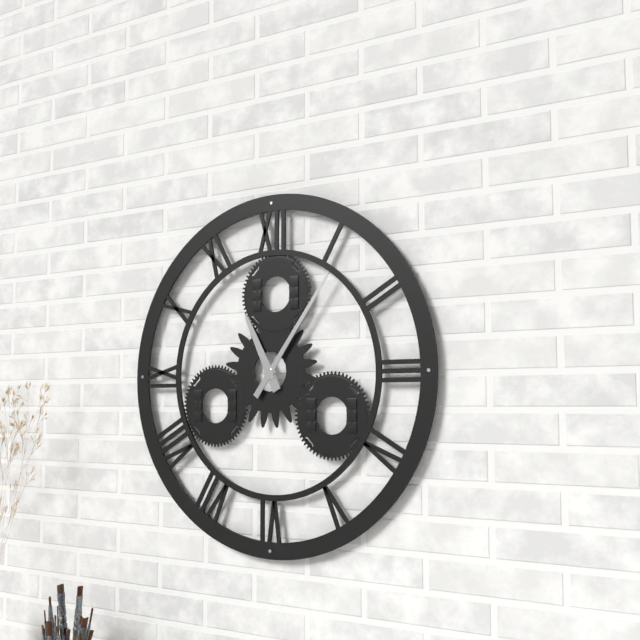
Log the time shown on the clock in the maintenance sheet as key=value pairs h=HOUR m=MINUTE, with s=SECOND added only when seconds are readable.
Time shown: h=11 m=6
